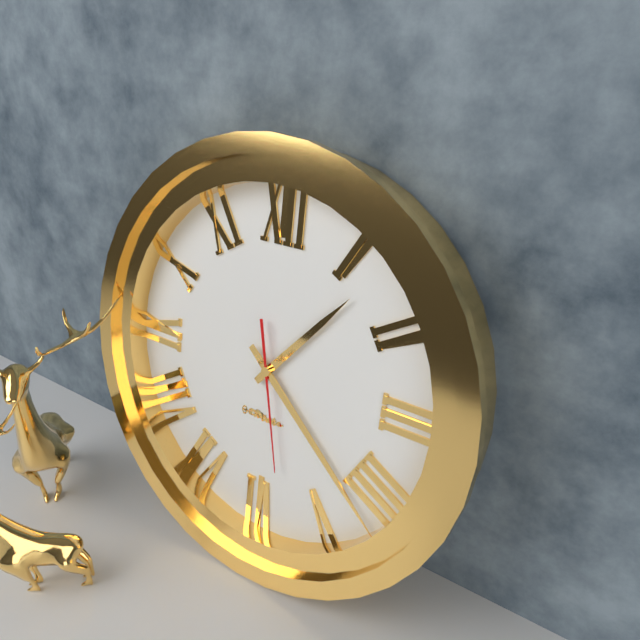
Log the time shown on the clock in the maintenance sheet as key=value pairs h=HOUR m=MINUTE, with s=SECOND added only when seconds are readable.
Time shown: h=1 m=22 s=28
